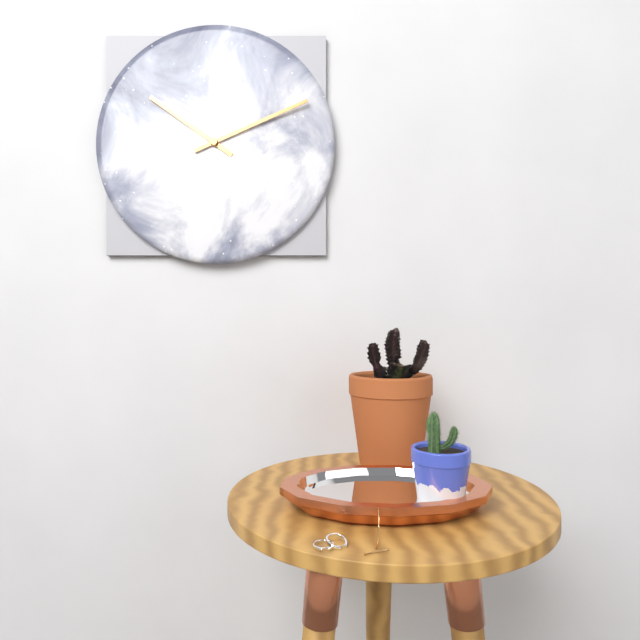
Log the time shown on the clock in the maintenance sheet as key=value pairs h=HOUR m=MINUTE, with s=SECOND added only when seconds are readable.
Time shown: h=10 m=11
